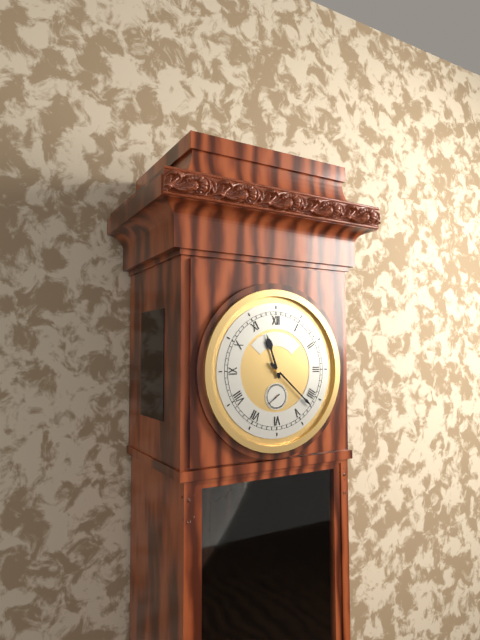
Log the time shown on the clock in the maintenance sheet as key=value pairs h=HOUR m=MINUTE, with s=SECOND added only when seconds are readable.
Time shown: h=11 m=22
